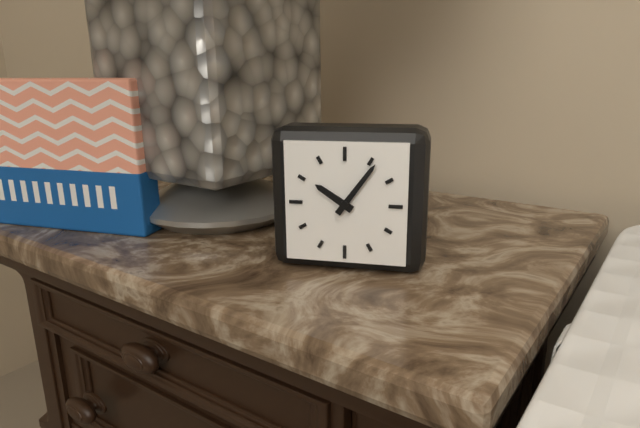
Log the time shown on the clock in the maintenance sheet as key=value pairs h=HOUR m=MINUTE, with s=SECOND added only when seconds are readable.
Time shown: h=10 m=6
